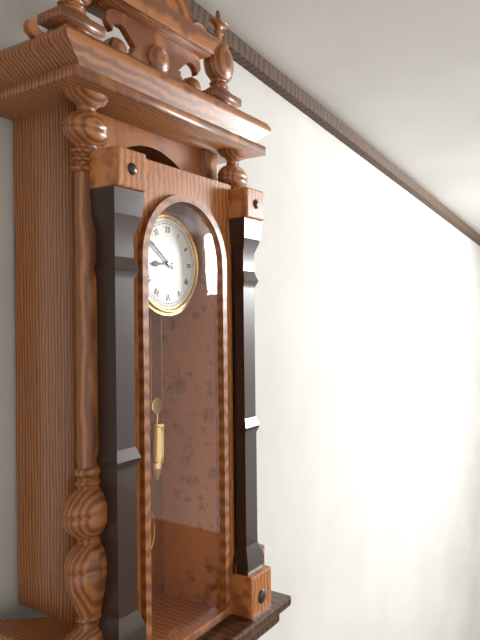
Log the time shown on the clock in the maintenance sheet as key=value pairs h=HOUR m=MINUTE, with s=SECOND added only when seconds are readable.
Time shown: h=8 m=51
